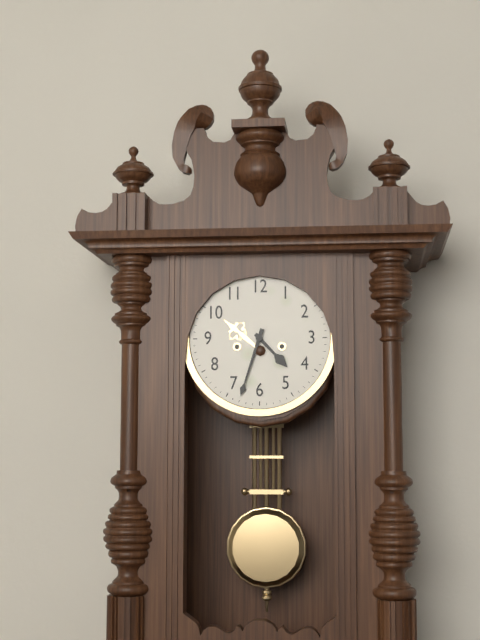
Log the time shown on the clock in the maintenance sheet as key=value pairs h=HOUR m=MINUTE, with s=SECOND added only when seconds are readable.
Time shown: h=4 m=33
